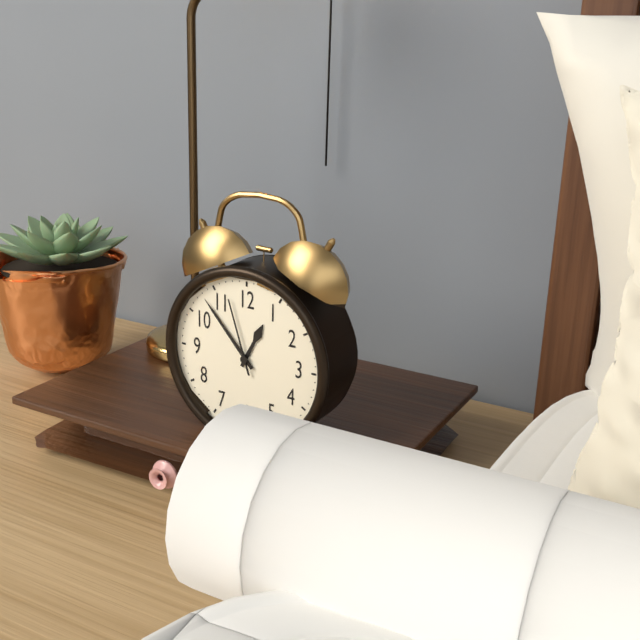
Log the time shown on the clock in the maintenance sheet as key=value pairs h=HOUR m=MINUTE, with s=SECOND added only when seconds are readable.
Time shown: h=12 m=53 s=57
